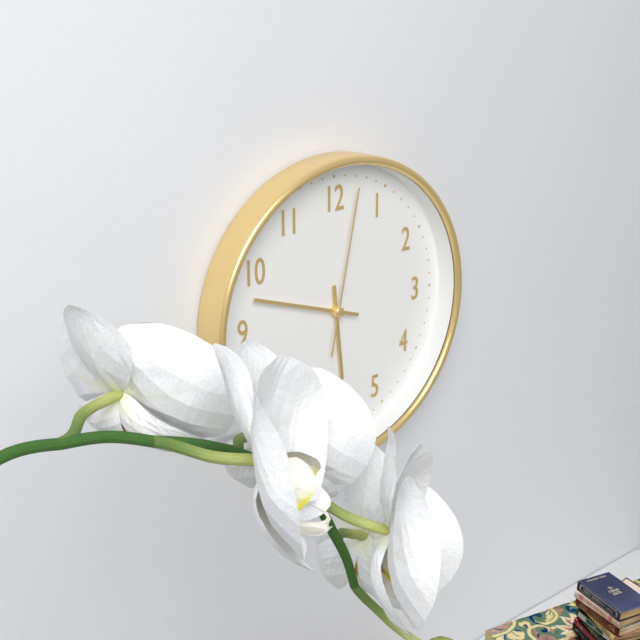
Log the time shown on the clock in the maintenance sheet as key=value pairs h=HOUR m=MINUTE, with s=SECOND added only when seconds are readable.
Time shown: h=5 m=48 s=2
